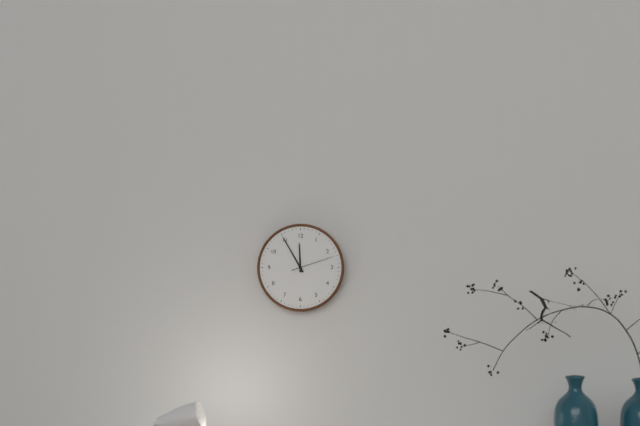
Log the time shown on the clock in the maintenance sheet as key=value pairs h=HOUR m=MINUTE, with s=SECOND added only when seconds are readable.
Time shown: h=11 m=55
